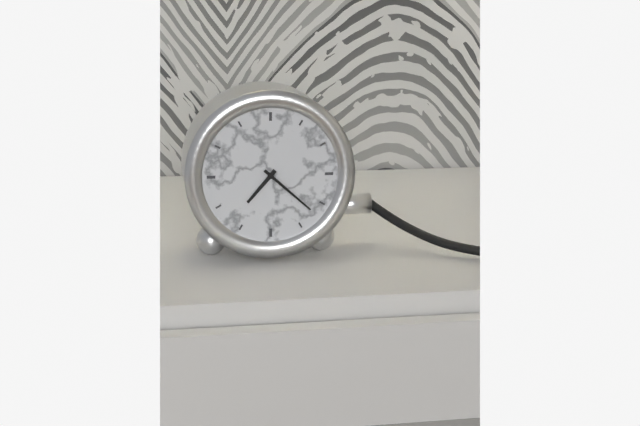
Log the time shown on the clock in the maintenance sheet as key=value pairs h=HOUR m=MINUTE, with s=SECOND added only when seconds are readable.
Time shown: h=7 m=22
